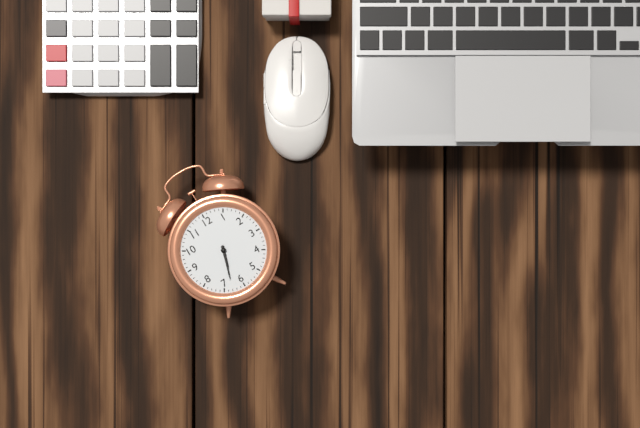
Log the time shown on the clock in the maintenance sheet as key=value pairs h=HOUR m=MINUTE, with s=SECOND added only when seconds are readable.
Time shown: h=6 m=33
